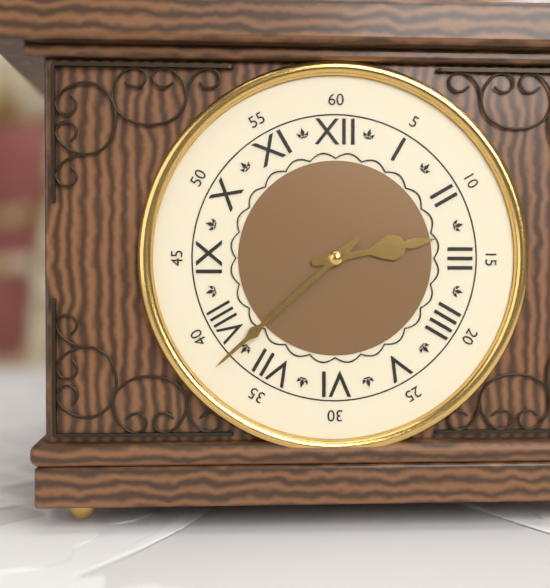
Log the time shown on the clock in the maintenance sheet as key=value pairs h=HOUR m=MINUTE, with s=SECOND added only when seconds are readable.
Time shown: h=2 m=38
